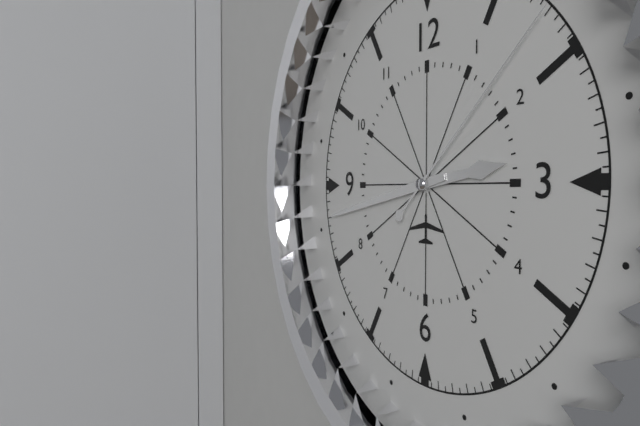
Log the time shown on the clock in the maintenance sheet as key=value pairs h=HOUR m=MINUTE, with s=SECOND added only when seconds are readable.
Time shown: h=2 m=43 s=8
